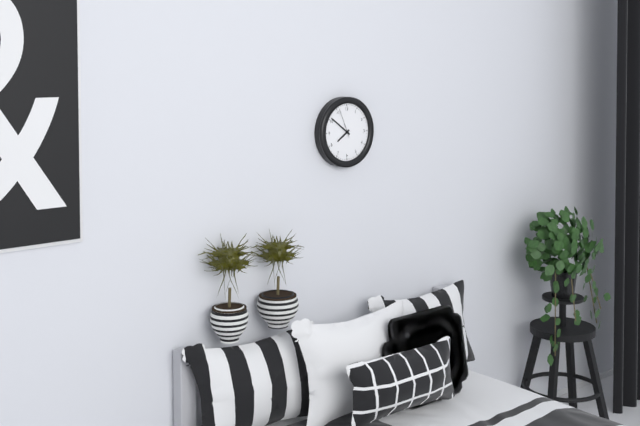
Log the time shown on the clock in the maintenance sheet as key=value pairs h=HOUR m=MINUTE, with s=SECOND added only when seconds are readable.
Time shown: h=7 m=51
